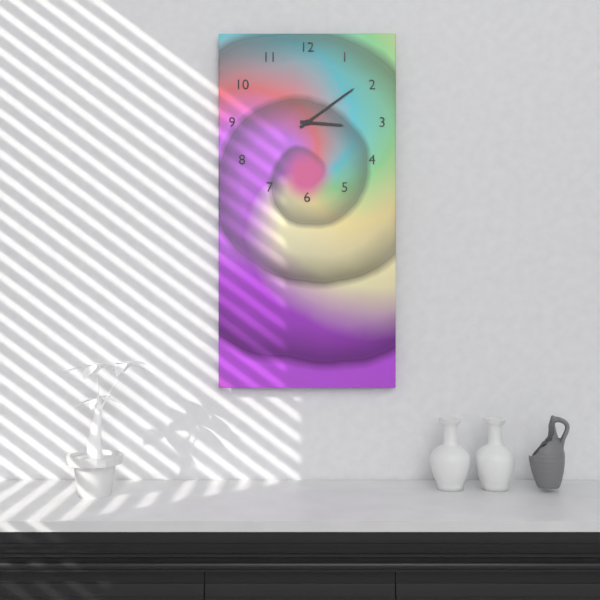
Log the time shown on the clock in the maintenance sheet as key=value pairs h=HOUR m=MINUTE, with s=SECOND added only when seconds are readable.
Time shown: h=3 m=9
